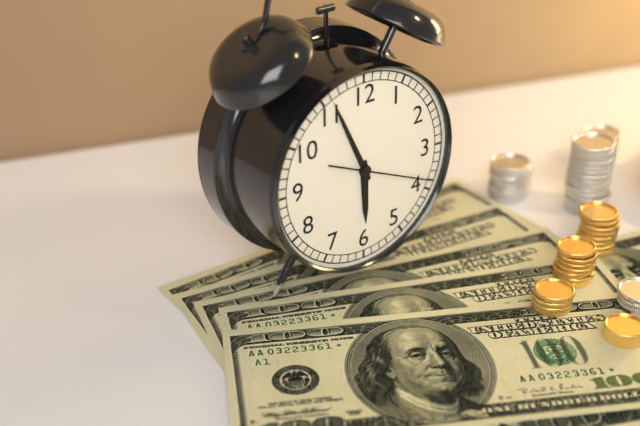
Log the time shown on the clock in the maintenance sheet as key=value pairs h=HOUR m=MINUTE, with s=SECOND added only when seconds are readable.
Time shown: h=5 m=56 s=19
